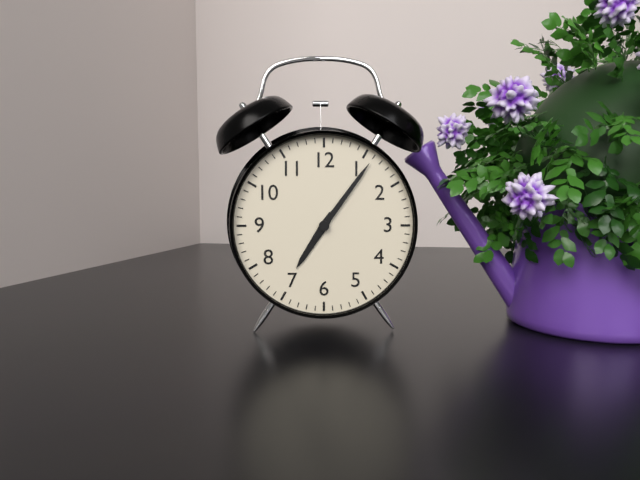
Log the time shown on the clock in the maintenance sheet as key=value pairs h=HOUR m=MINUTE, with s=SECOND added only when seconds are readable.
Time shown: h=7 m=6
